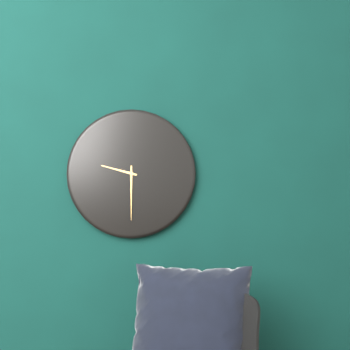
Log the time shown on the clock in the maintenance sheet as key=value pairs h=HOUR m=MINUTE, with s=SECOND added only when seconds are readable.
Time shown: h=9 m=30
